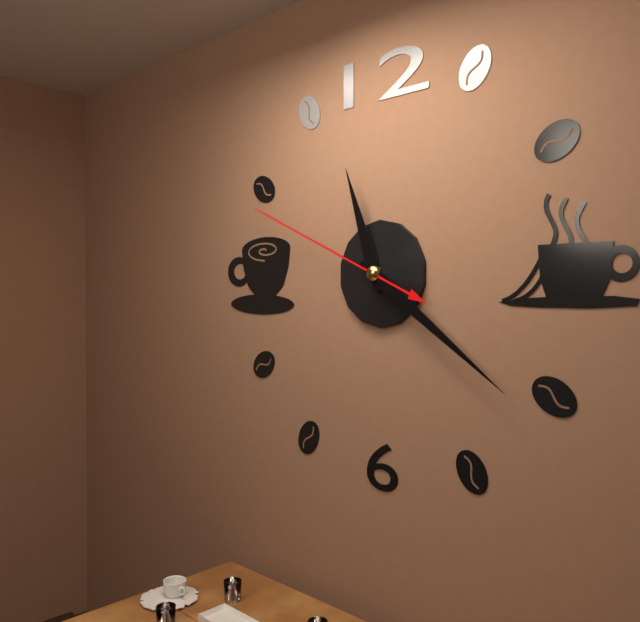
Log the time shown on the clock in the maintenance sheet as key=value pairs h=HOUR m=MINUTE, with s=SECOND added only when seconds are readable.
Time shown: h=11 m=21 s=49
